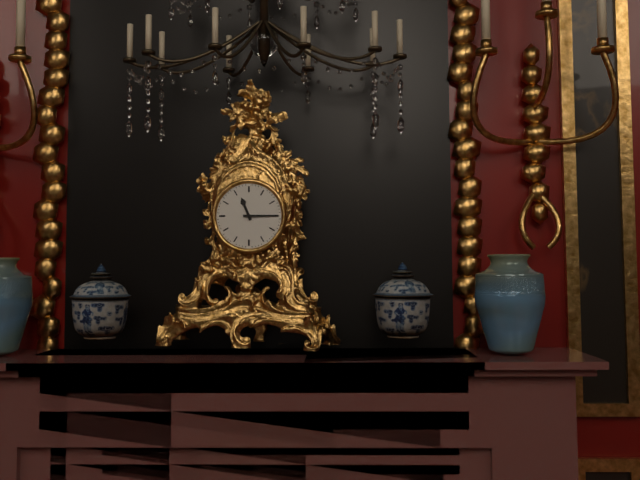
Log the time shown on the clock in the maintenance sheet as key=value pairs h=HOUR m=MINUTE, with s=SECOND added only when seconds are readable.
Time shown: h=11 m=15
